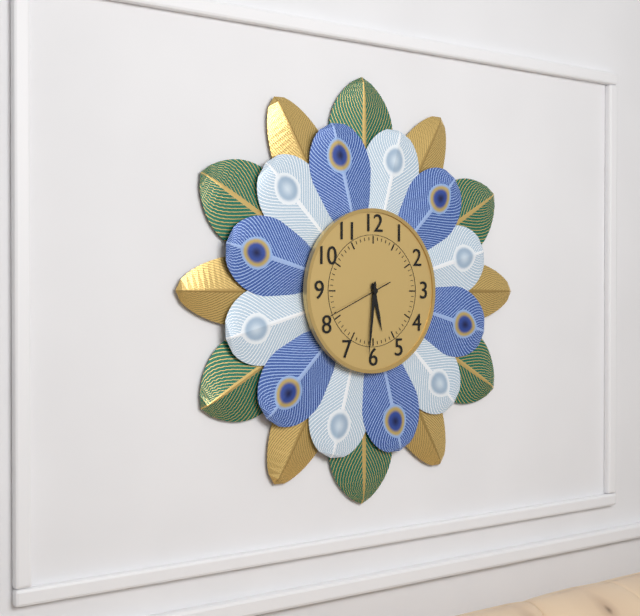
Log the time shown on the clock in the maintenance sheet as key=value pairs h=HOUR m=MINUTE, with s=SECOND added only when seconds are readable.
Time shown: h=5 m=31 s=41
